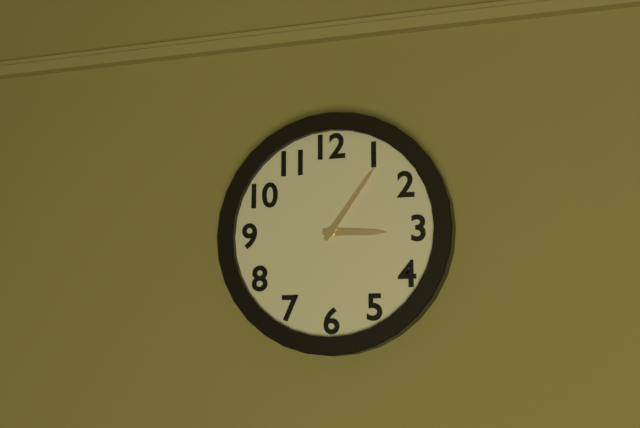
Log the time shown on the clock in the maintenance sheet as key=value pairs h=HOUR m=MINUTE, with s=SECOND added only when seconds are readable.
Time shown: h=3 m=6
